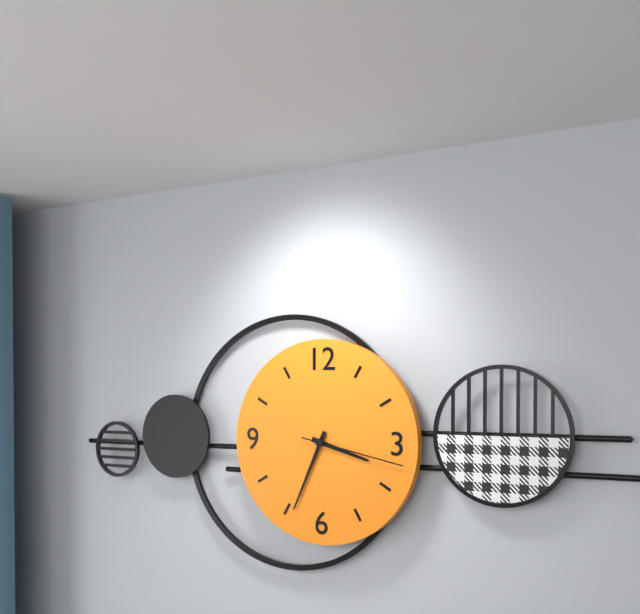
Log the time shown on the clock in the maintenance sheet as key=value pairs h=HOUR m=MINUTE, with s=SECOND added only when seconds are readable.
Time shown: h=3 m=34 s=17
